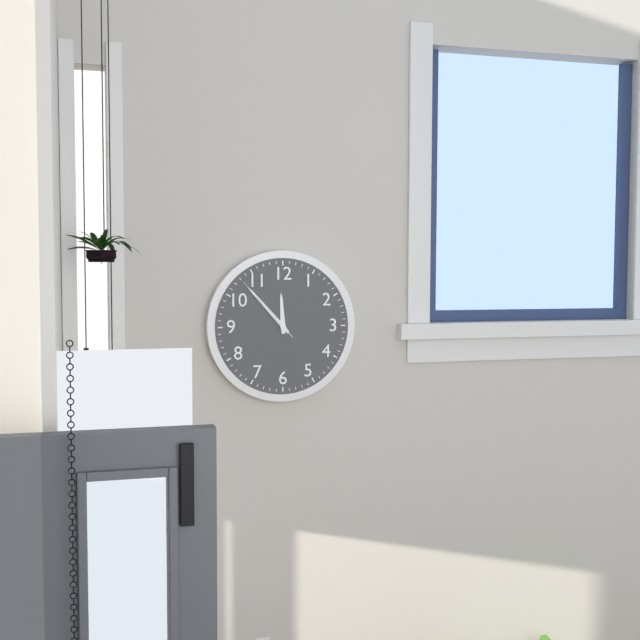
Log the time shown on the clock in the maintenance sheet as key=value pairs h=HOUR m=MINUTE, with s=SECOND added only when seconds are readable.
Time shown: h=11 m=53 s=53
